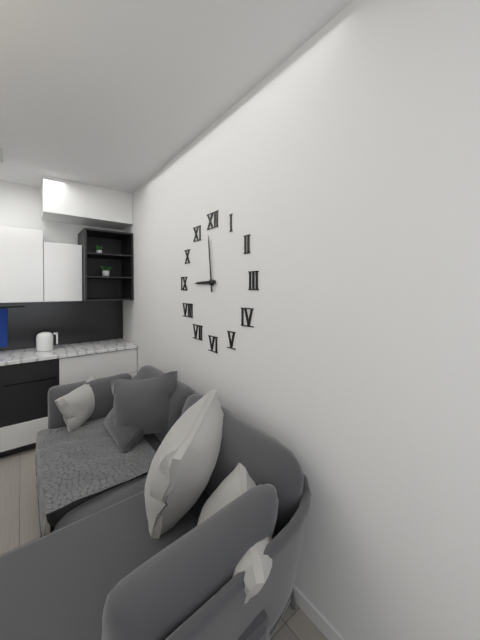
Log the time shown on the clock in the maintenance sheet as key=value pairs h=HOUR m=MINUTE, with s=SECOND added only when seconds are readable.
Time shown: h=8 m=59
